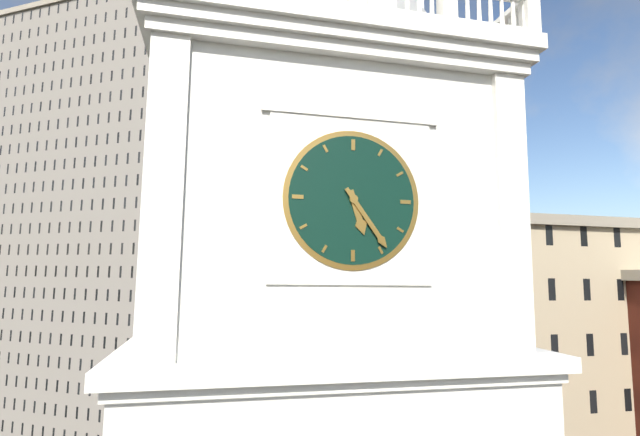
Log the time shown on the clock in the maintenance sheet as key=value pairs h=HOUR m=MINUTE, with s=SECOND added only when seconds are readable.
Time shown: h=5 m=24
